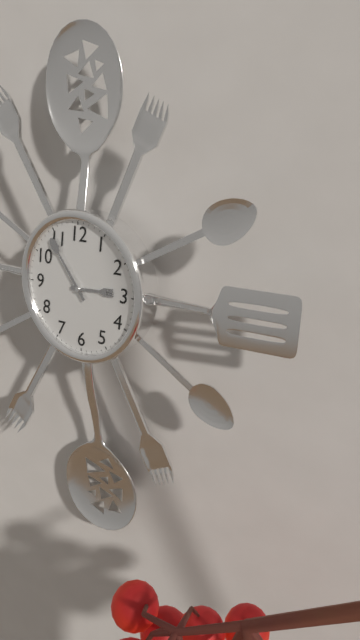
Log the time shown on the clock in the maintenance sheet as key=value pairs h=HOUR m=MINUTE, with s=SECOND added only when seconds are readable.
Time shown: h=2 m=54
